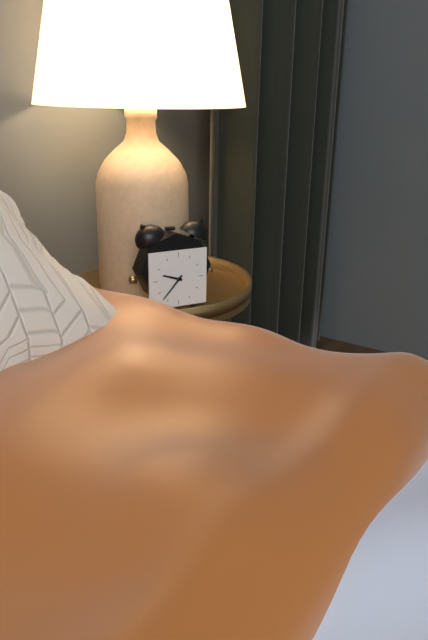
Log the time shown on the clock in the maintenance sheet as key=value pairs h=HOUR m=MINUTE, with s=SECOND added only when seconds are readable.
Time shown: h=9 m=37
